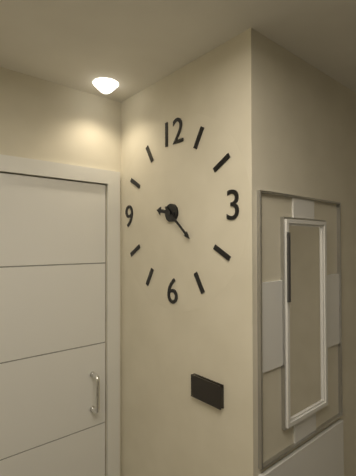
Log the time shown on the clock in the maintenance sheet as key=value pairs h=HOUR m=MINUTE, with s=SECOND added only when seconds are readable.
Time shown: h=9 m=22
